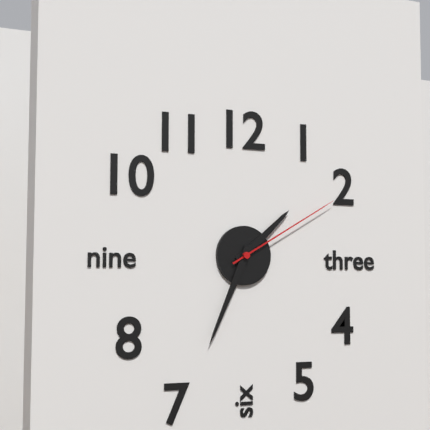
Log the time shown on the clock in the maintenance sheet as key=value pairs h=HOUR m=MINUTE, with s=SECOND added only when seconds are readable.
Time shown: h=1 m=34 s=10
